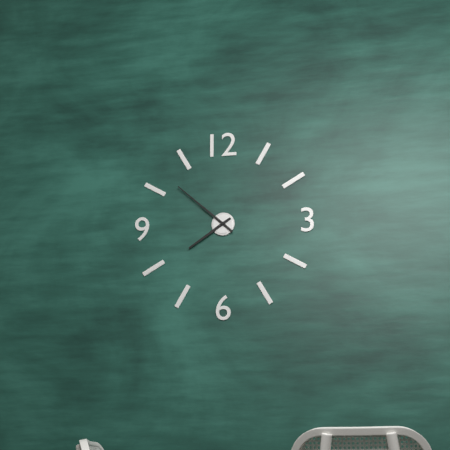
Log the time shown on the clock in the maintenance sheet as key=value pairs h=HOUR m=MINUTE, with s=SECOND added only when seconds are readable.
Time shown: h=7 m=52
